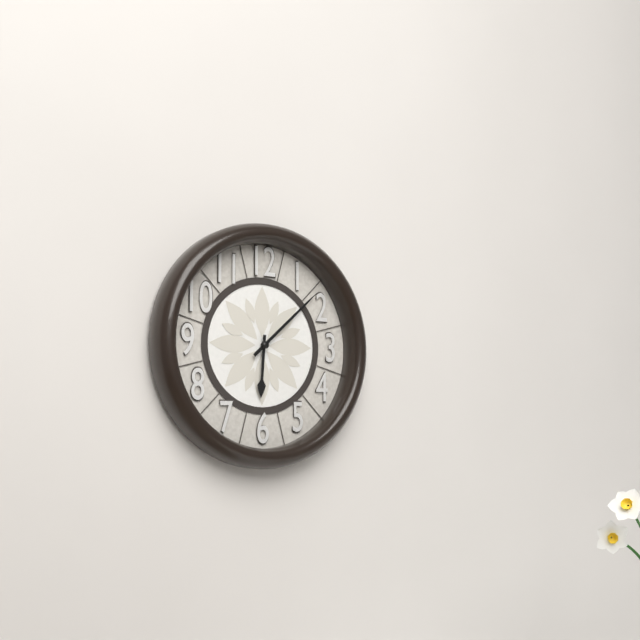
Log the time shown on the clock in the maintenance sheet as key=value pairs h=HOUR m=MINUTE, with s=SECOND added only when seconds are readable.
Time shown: h=6 m=8
